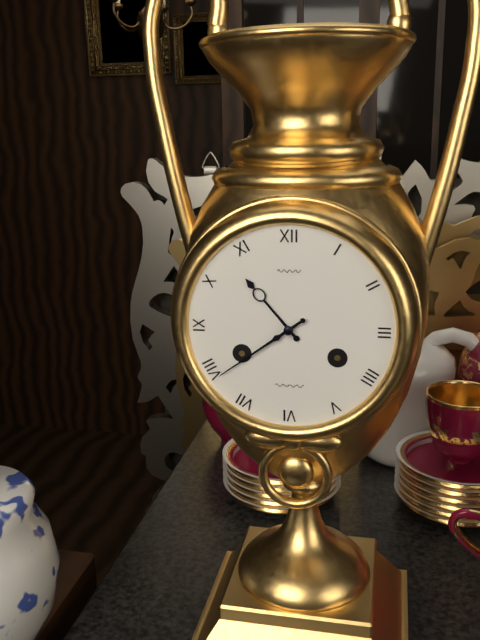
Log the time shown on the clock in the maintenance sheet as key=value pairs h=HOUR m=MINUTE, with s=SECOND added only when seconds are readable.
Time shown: h=10 m=39
